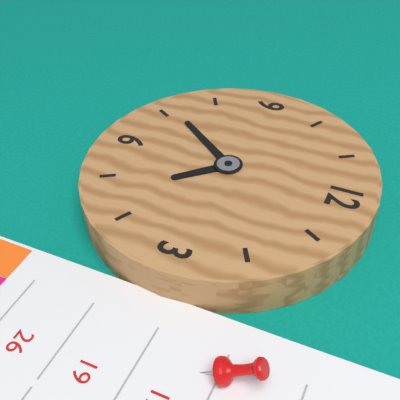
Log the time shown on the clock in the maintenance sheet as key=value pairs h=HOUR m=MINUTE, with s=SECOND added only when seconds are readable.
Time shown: h=4 m=36
